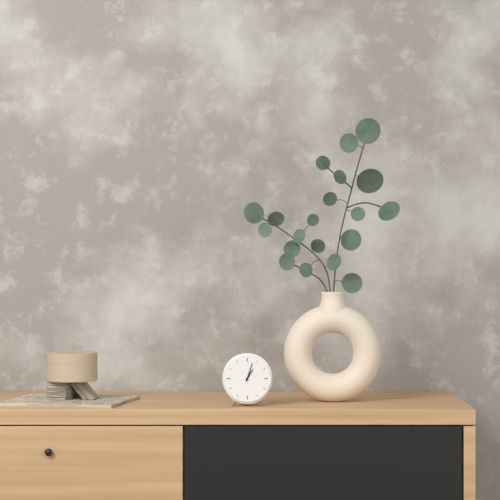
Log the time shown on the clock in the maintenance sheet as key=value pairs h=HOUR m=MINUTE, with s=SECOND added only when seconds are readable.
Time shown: h=1 m=3
